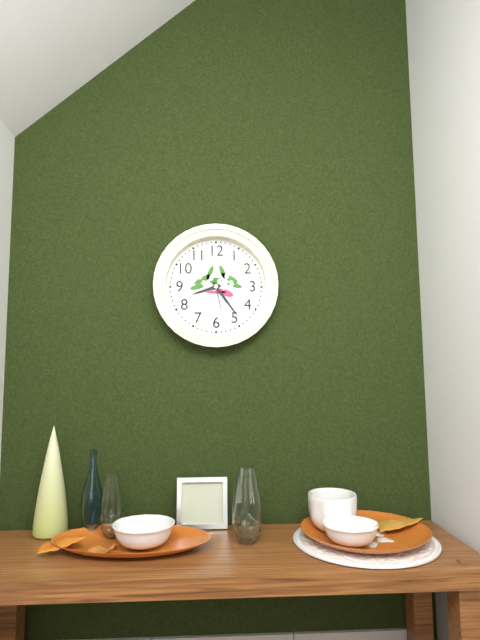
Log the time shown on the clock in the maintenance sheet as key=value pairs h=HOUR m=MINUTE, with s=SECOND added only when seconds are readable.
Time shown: h=8 m=24 s=28
